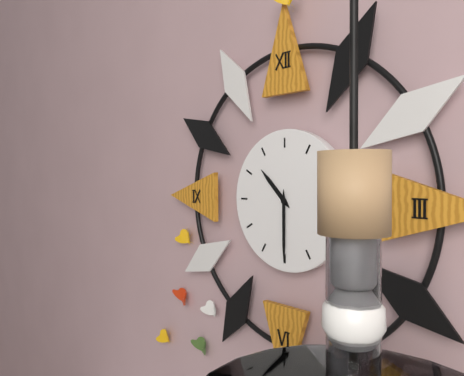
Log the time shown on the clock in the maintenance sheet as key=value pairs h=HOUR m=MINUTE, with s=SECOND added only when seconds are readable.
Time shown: h=10 m=30
